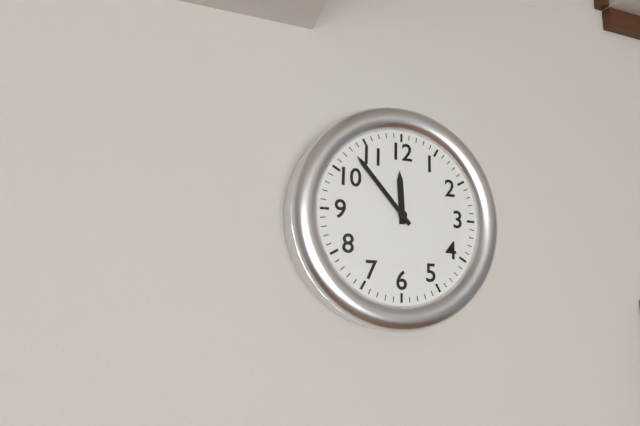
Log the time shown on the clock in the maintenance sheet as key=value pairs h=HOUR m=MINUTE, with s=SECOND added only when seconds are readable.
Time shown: h=11 m=53
